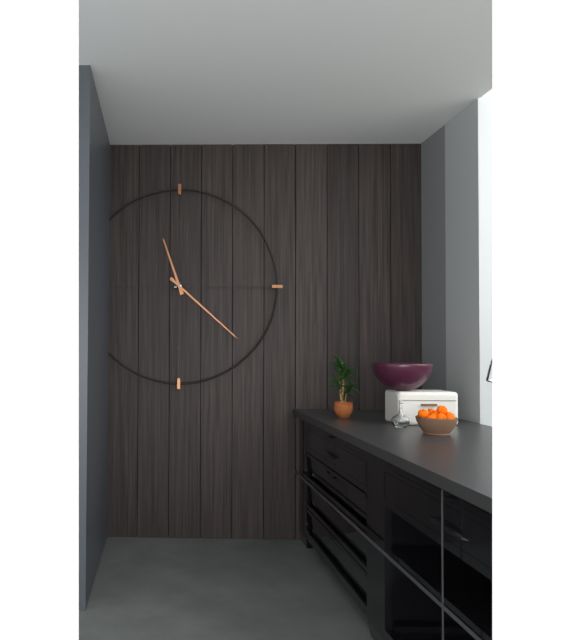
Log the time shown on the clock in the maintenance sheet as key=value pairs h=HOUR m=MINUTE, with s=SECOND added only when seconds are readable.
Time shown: h=11 m=22
